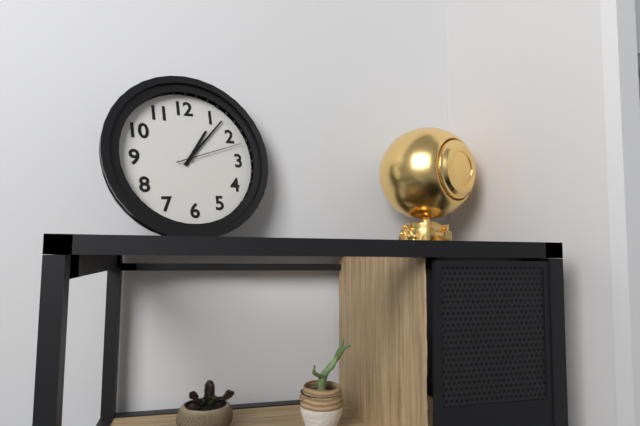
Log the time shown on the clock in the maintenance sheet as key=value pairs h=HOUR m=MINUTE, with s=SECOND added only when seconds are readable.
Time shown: h=1 m=7 s=12
